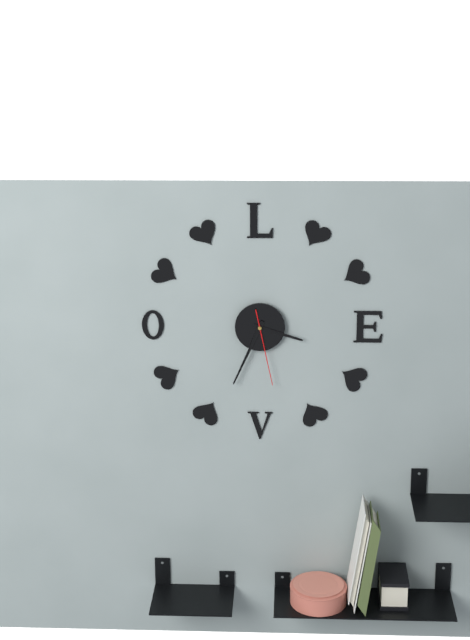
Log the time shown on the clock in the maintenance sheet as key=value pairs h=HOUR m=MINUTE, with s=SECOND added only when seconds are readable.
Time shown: h=3 m=34 s=28
